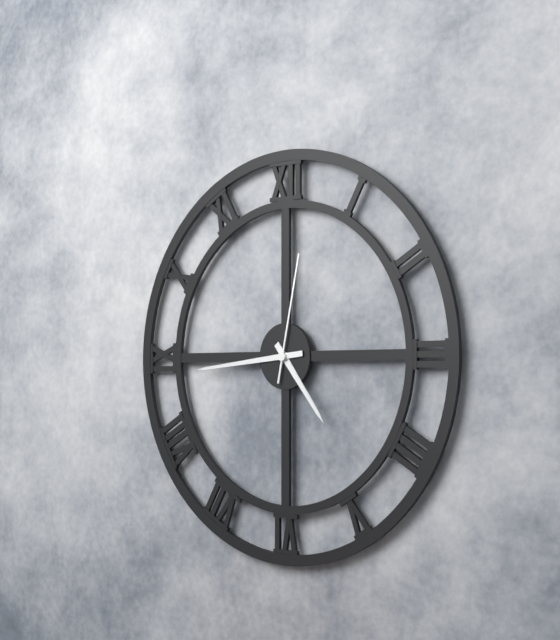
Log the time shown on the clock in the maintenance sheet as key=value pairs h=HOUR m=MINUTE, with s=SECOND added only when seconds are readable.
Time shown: h=4 m=44 s=2
